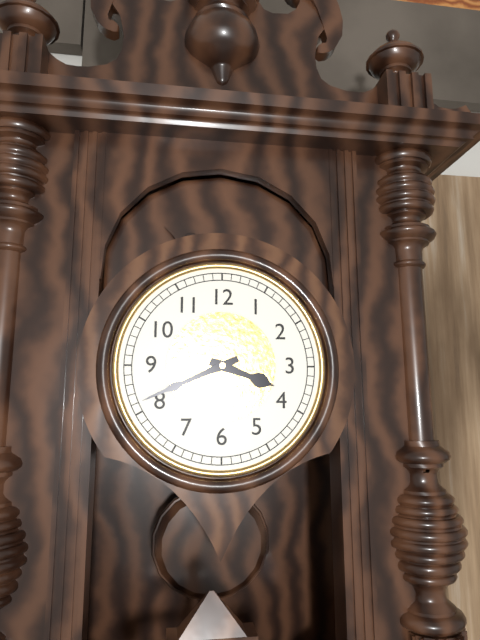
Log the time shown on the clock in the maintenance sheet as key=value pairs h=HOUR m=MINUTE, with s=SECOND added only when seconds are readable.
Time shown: h=3 m=41
